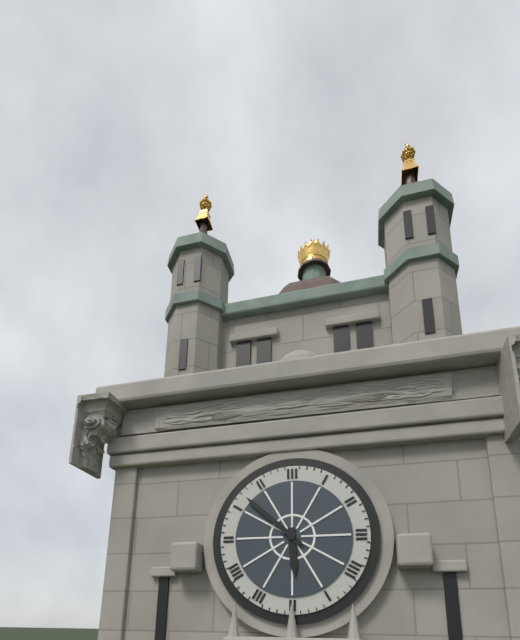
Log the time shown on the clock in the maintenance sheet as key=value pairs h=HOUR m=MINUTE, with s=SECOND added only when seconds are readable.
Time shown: h=5 m=52
